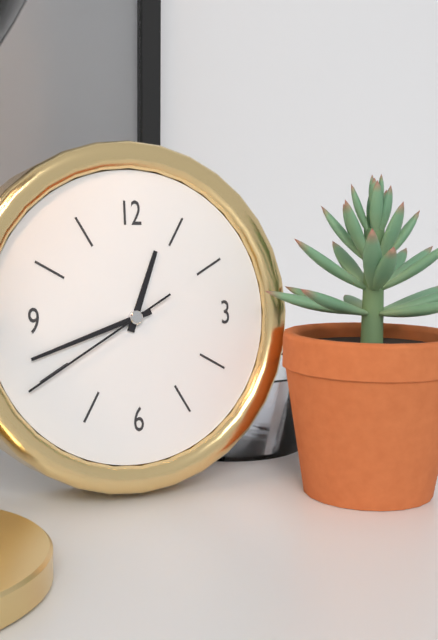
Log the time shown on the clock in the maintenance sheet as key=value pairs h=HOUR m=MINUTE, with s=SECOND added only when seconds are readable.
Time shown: h=12 m=42 s=40
